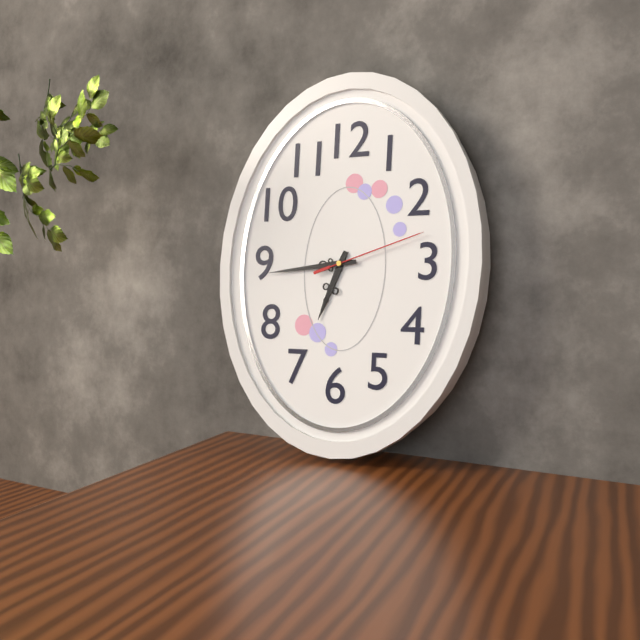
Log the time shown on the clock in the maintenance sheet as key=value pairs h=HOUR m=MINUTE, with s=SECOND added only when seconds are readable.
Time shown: h=6 m=44 s=12
